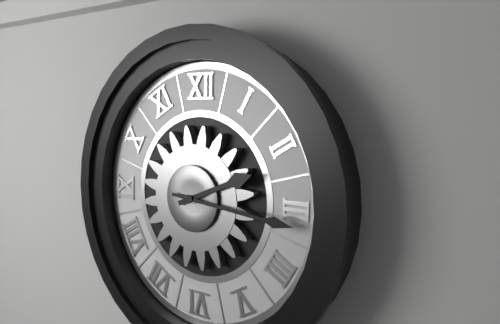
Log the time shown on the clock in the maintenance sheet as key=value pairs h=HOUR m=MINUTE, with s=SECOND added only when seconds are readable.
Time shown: h=2 m=16
